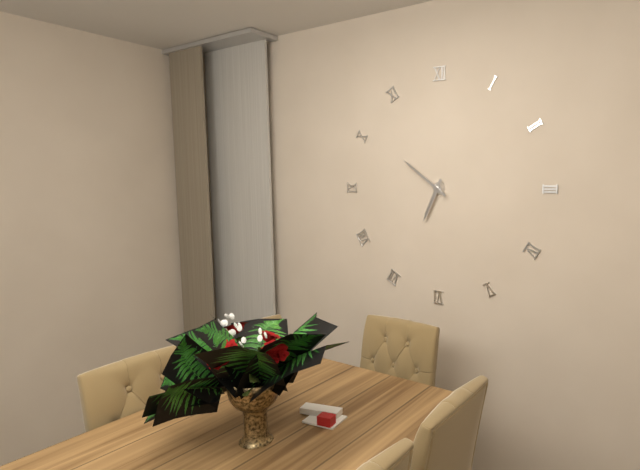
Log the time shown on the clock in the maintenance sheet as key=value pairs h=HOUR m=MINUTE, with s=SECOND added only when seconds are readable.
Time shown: h=6 m=51
